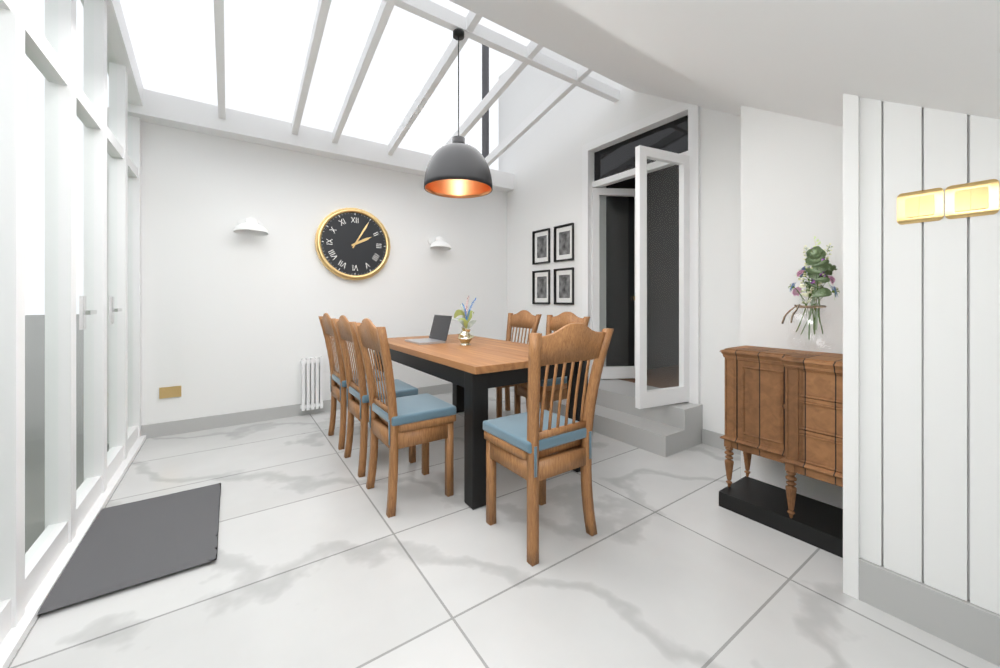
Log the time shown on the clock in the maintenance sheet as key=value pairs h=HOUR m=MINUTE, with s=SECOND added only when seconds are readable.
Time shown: h=2 m=5
